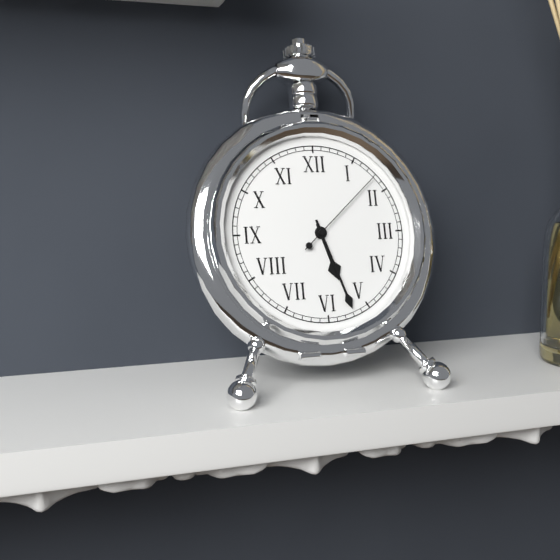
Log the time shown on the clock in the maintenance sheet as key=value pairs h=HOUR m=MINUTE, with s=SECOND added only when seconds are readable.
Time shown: h=5 m=27 s=8
